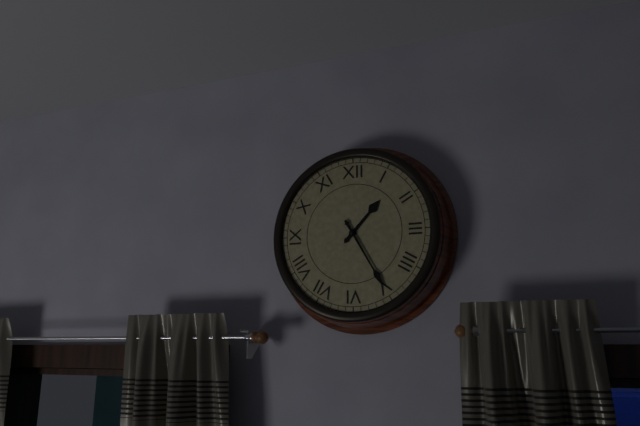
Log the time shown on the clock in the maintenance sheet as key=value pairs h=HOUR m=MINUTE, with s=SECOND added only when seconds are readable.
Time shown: h=1 m=25
